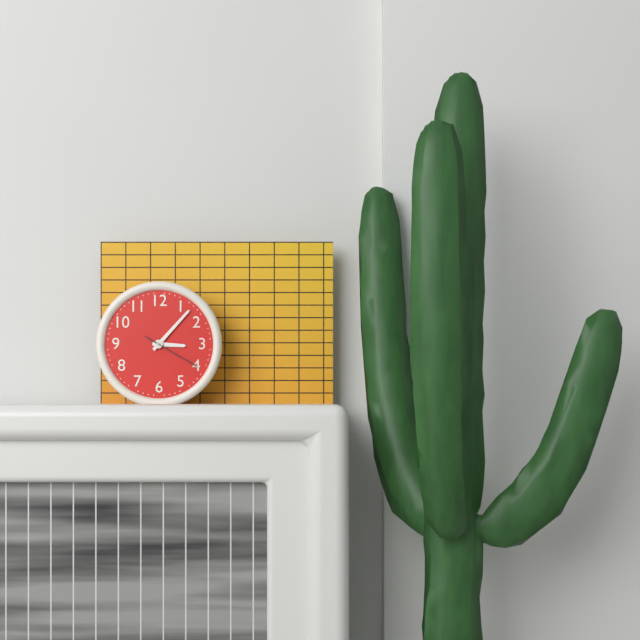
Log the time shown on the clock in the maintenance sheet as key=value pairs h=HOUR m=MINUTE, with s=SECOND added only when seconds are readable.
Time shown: h=3 m=7 s=20
